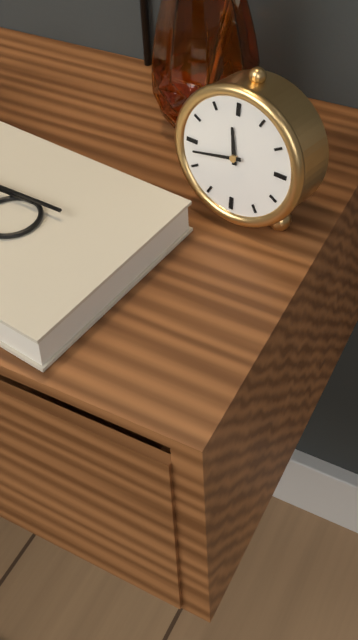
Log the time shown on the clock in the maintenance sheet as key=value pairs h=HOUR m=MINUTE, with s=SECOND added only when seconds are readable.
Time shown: h=11 m=43
